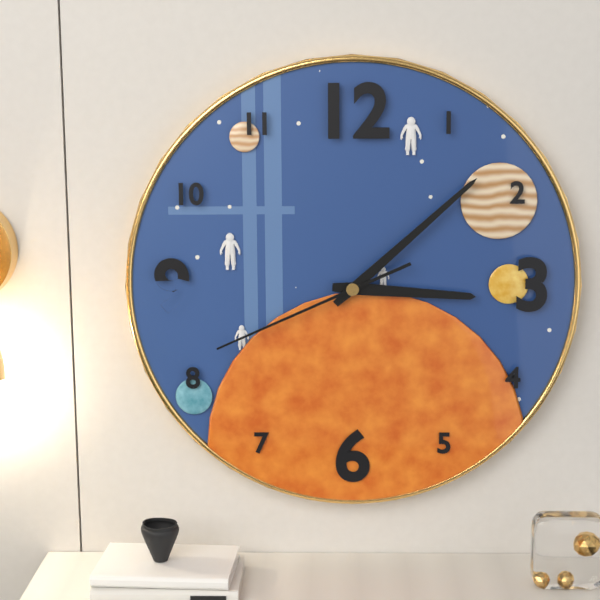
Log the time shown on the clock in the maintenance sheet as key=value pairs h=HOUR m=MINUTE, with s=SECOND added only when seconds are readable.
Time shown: h=3 m=8 s=41
